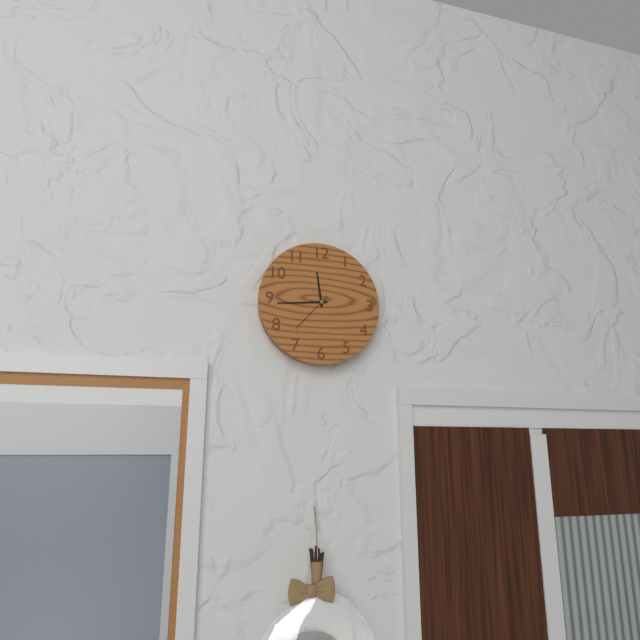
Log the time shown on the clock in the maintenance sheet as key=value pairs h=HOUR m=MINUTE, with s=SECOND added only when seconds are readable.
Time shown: h=11 m=44
